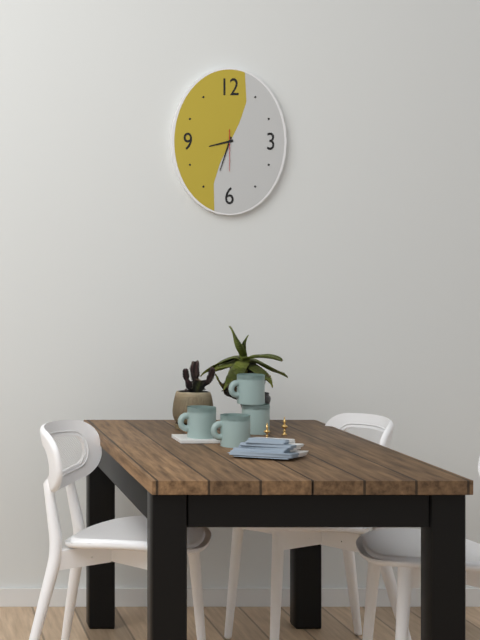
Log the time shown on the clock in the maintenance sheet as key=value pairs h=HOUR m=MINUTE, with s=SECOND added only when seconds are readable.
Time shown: h=8 m=33
